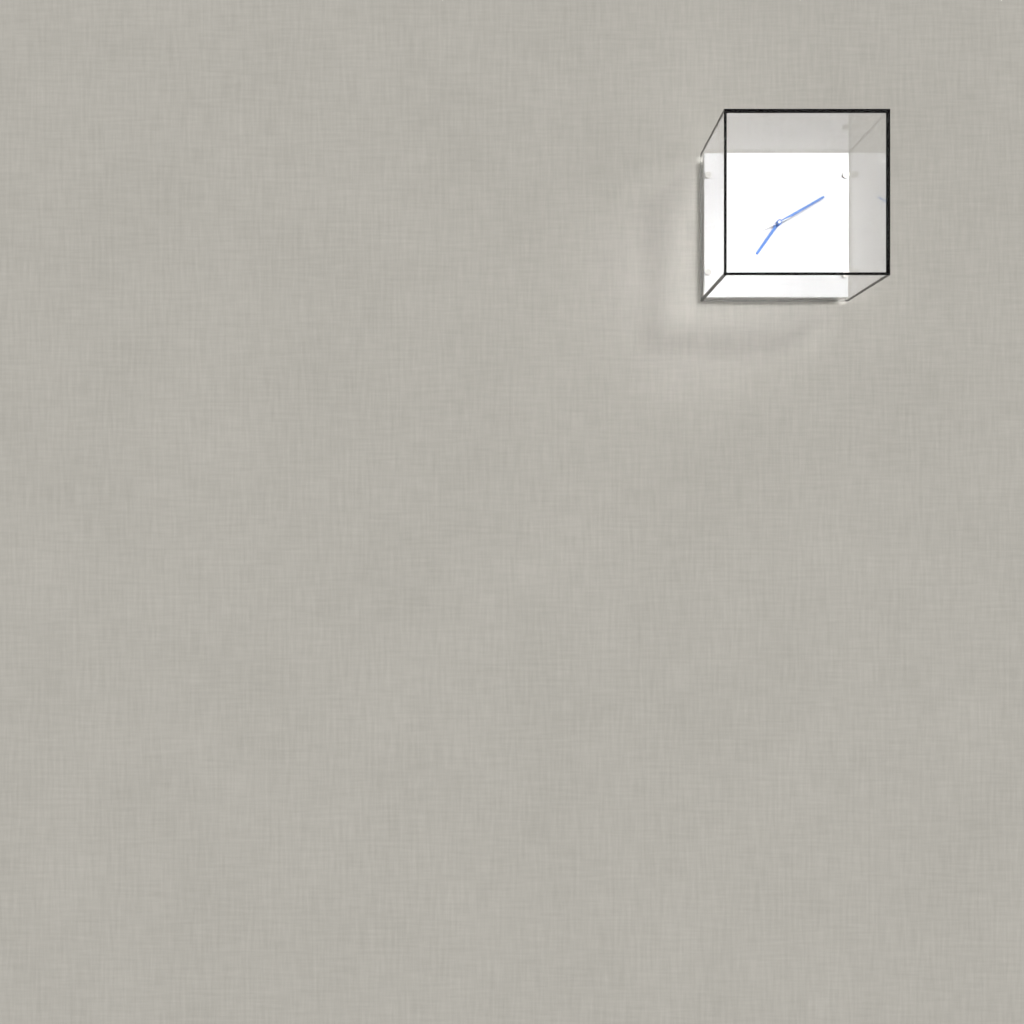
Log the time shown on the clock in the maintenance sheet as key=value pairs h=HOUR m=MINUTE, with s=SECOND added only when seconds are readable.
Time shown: h=7 m=10 s=41
